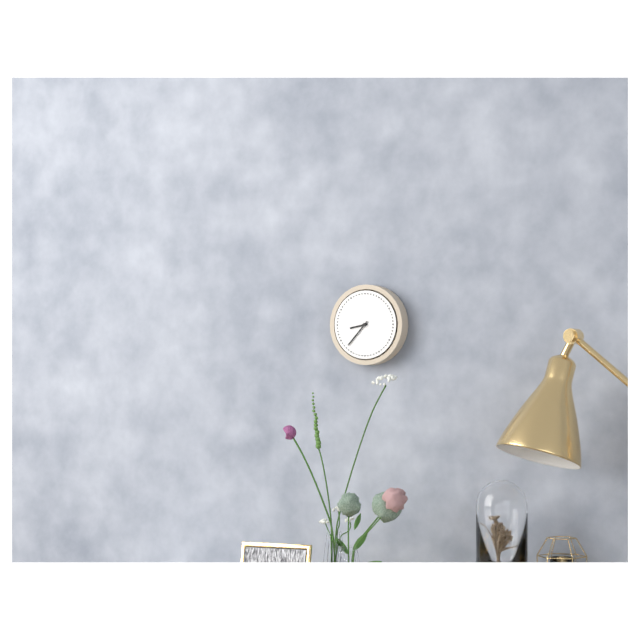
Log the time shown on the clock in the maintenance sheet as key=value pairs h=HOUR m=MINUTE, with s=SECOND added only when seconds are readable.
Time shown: h=8 m=37
